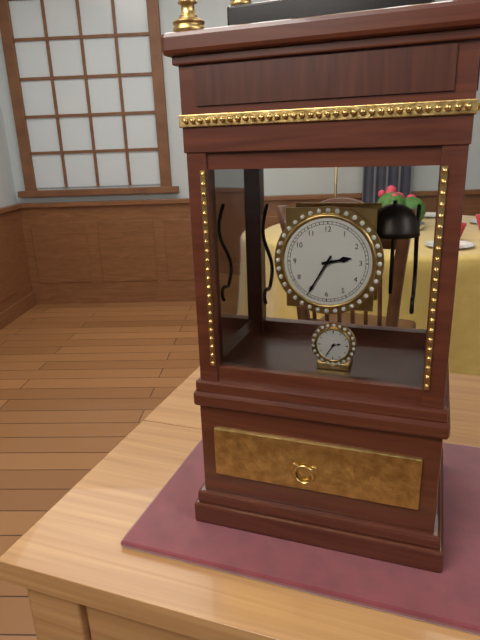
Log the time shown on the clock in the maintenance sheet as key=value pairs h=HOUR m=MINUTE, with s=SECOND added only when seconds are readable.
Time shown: h=2 m=35
